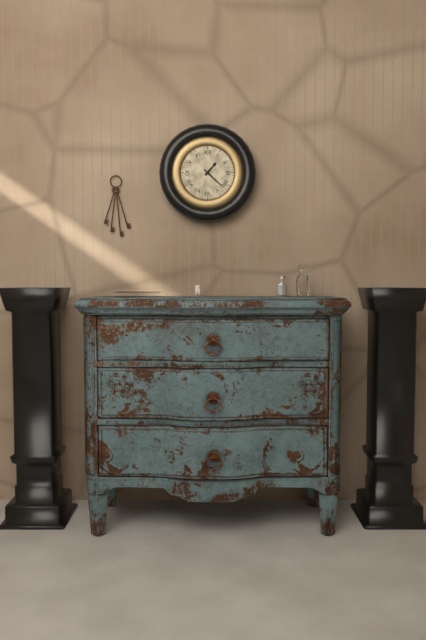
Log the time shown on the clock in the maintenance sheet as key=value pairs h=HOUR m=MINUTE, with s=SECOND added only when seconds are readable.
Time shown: h=1 m=22
